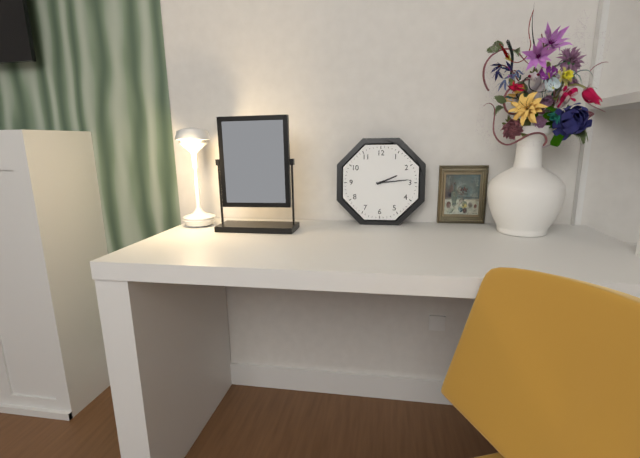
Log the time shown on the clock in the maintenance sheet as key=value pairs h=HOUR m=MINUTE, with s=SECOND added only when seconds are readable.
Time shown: h=2 m=14
